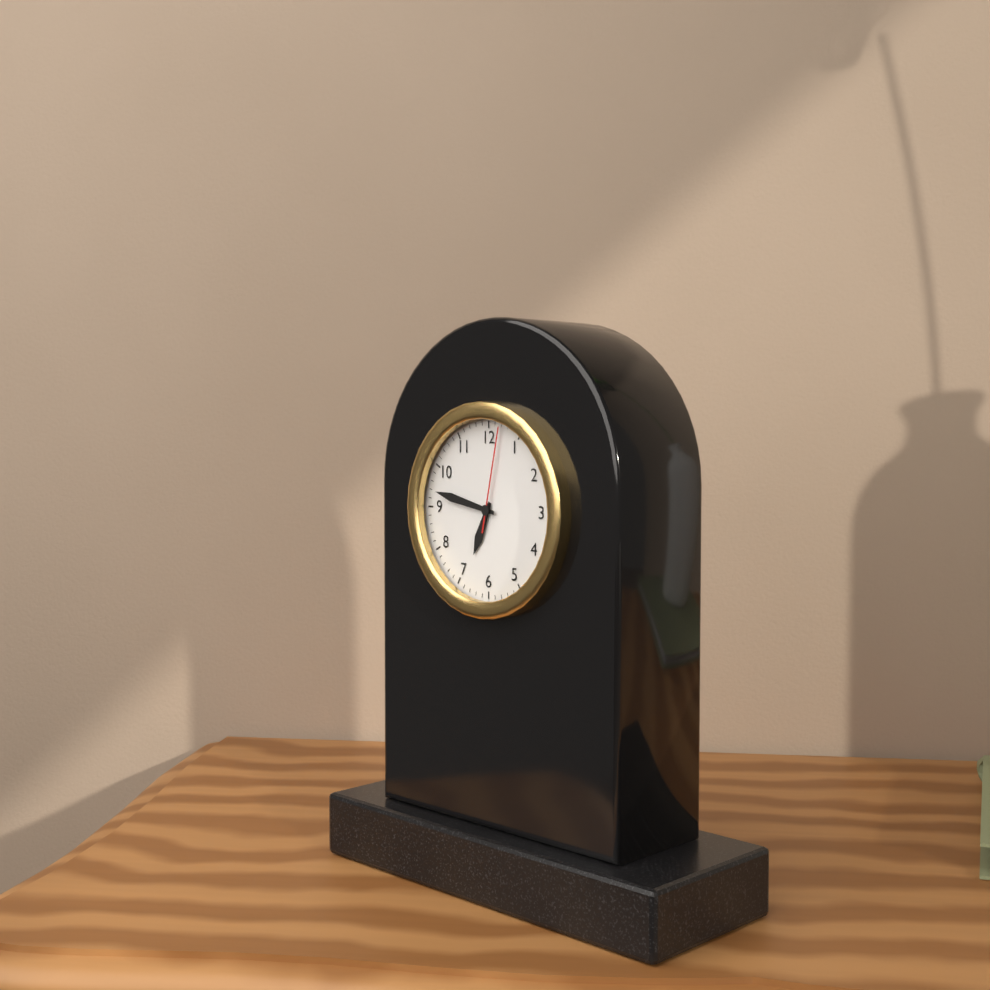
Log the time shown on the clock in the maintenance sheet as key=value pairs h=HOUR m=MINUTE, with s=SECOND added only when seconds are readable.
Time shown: h=6 m=47 s=2
